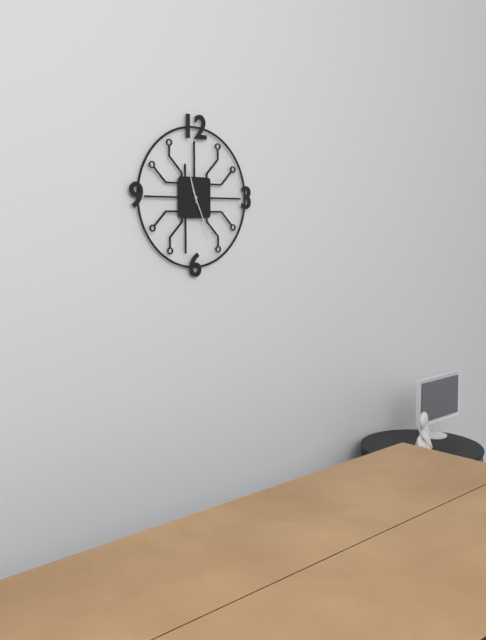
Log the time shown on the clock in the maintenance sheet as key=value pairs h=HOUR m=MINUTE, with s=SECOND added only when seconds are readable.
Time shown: h=11 m=26
